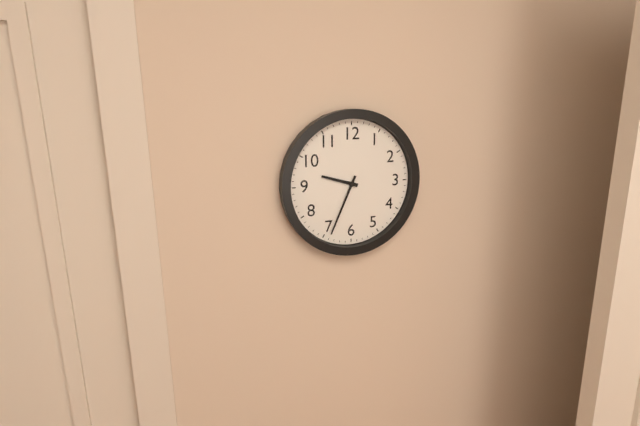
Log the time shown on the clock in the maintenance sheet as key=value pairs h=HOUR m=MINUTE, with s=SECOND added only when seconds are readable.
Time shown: h=9 m=34
